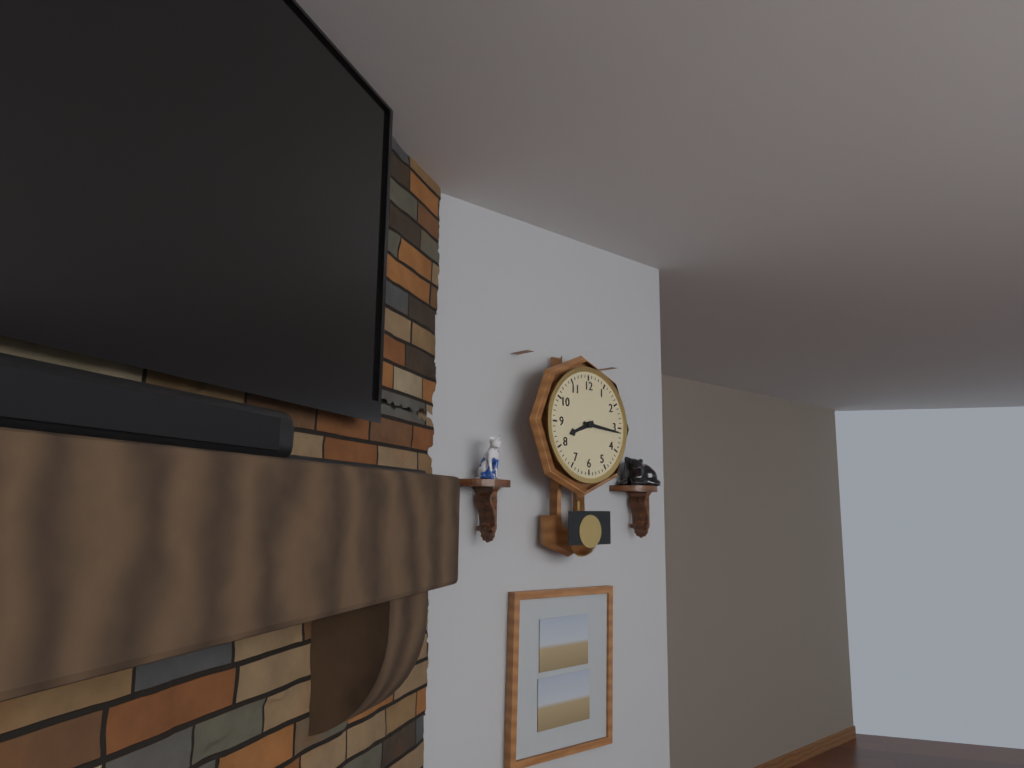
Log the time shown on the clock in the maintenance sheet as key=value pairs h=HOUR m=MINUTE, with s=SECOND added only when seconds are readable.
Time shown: h=8 m=16
